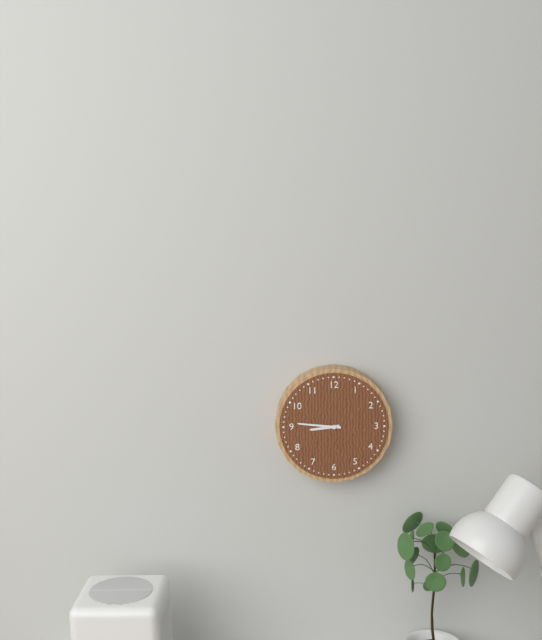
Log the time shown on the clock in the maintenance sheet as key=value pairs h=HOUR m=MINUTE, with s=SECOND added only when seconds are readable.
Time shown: h=8 m=46
